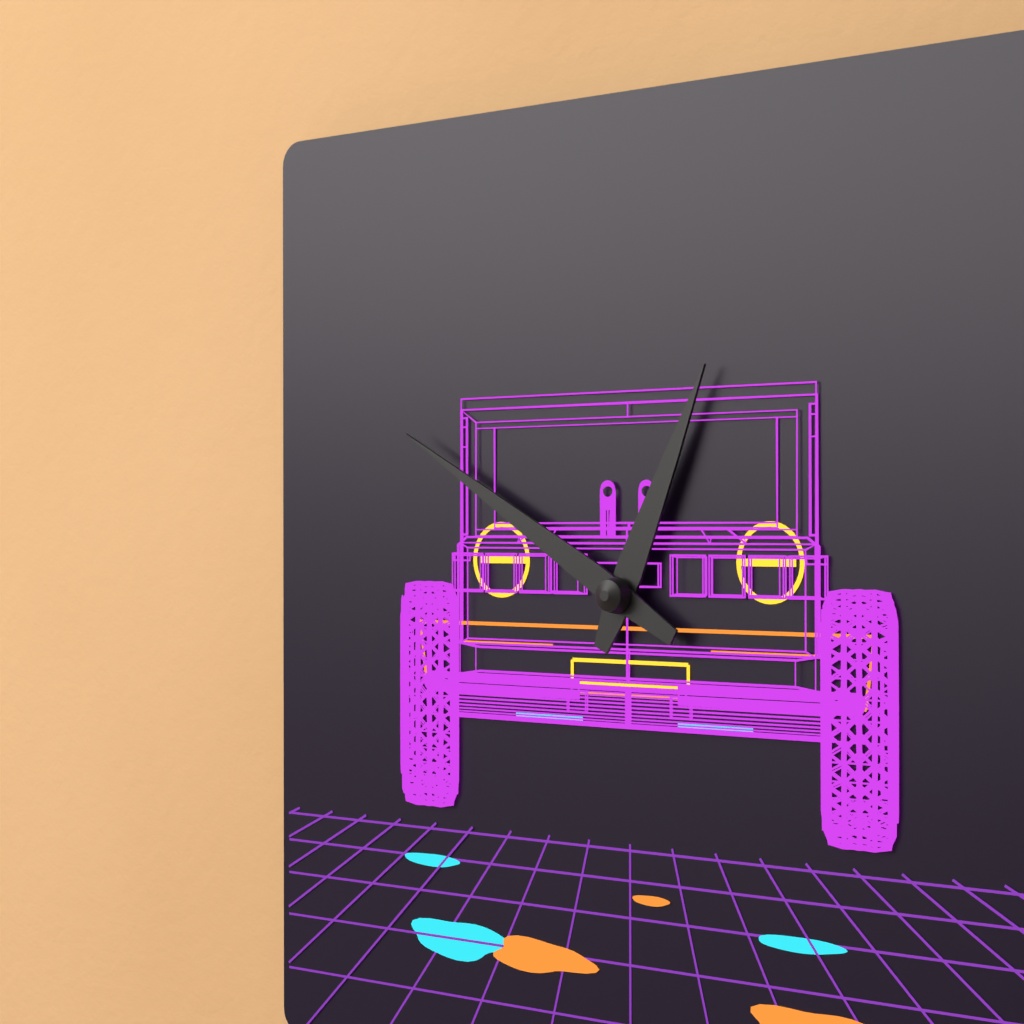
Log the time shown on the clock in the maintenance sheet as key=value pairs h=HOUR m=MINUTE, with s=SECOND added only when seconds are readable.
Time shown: h=12 m=50
